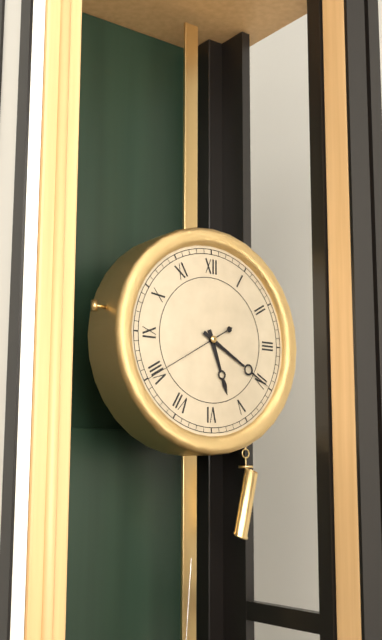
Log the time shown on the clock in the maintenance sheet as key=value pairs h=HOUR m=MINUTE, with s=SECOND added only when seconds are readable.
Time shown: h=5 m=20 s=40
